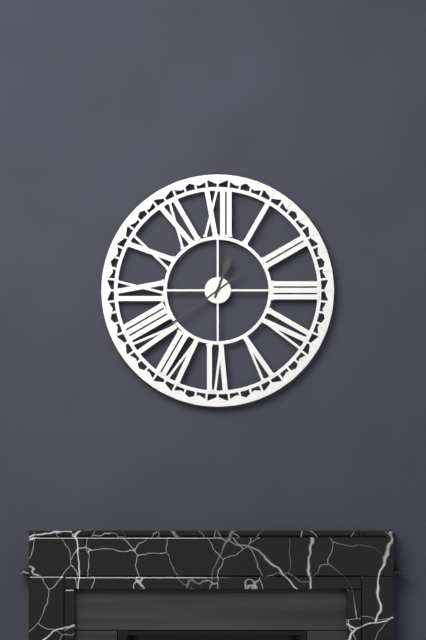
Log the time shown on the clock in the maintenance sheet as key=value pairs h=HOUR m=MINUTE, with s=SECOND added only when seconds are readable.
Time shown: h=12 m=39
